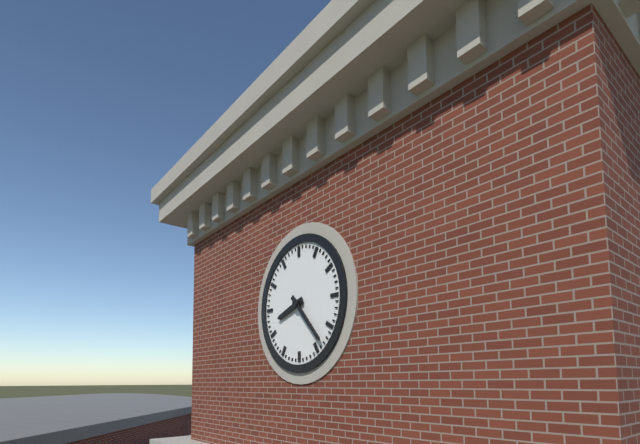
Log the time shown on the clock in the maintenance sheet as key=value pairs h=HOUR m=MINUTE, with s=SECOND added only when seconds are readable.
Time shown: h=8 m=23
